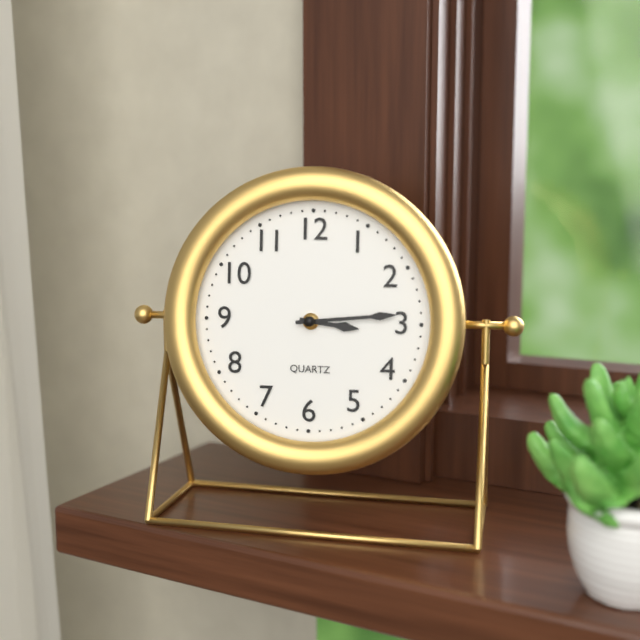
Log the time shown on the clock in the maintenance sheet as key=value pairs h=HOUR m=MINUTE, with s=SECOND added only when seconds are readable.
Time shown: h=3 m=14
